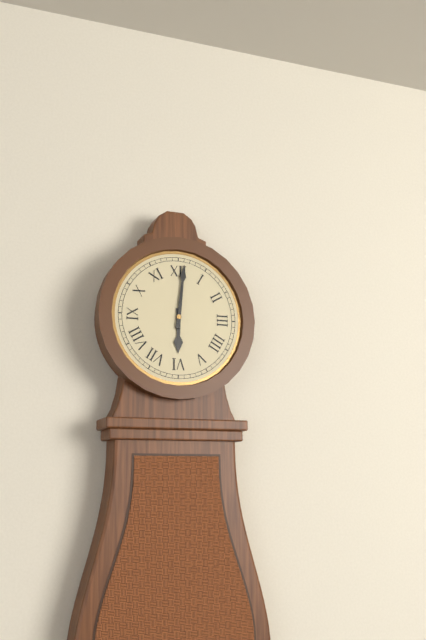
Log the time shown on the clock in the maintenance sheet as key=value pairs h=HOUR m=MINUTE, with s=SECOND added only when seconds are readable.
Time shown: h=6 m=1
